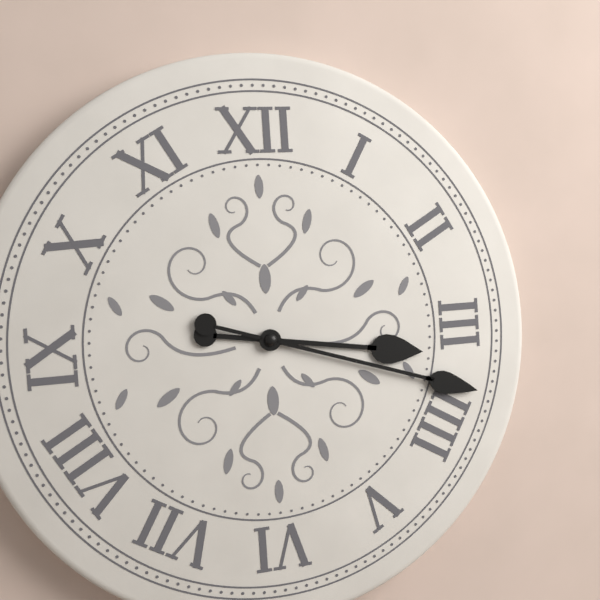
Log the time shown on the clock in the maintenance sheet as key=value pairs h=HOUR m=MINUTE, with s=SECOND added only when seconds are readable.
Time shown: h=3 m=18
